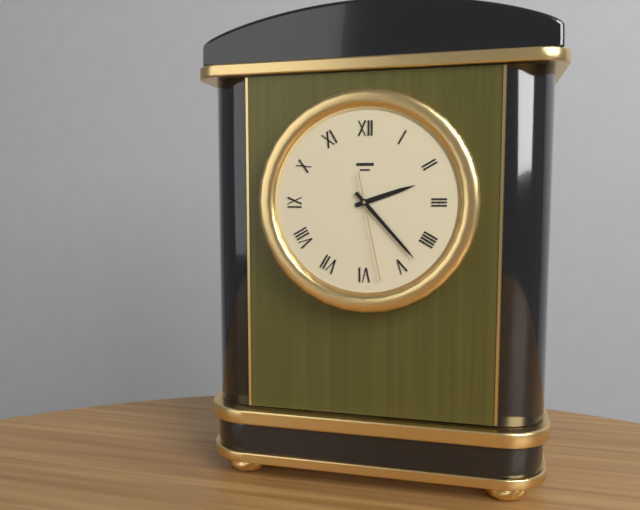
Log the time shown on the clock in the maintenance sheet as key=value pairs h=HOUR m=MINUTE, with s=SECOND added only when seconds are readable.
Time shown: h=2 m=23 s=28
